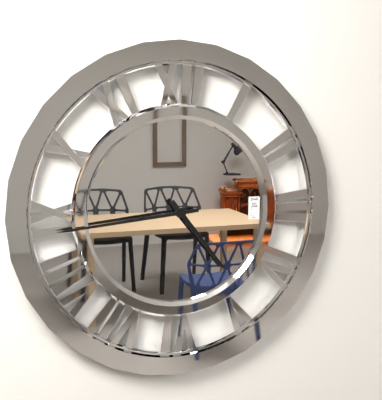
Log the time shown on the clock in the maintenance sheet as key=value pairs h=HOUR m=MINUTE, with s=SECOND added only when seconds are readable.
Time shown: h=4 m=44
